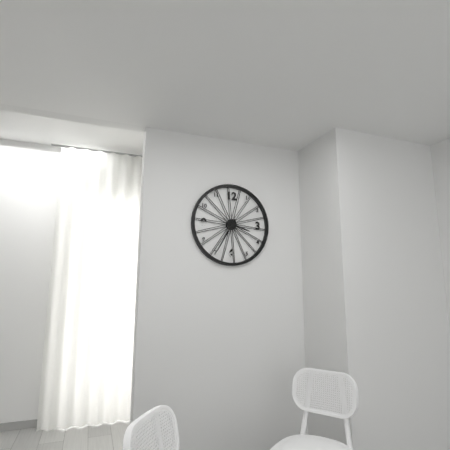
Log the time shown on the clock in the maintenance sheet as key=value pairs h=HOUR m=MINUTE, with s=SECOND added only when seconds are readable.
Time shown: h=3 m=35
